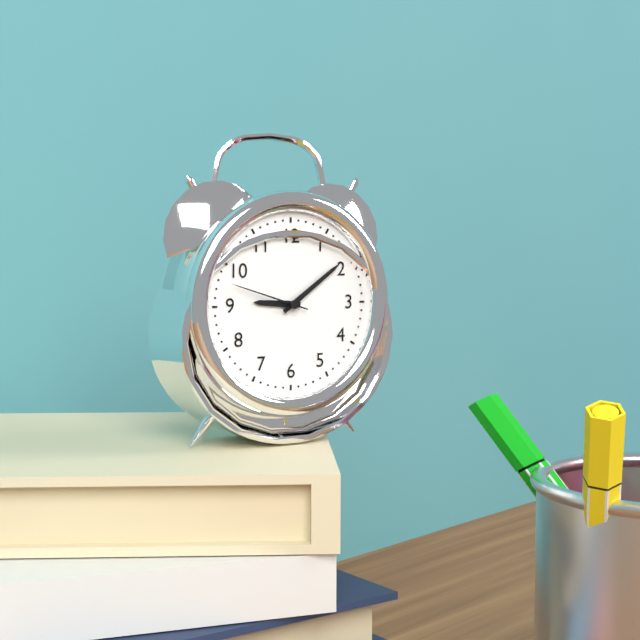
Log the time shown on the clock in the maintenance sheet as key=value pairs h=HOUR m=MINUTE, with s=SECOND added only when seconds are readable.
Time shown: h=9 m=9 s=48
